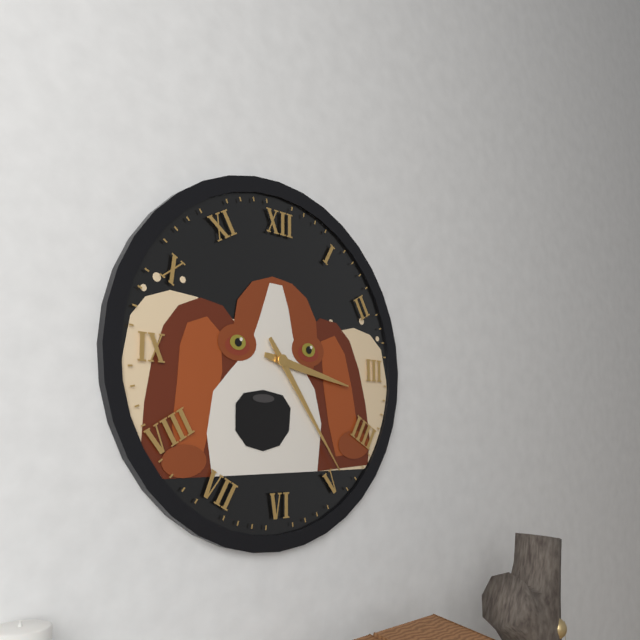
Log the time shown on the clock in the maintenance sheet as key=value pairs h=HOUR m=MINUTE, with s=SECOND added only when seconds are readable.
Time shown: h=3 m=24
